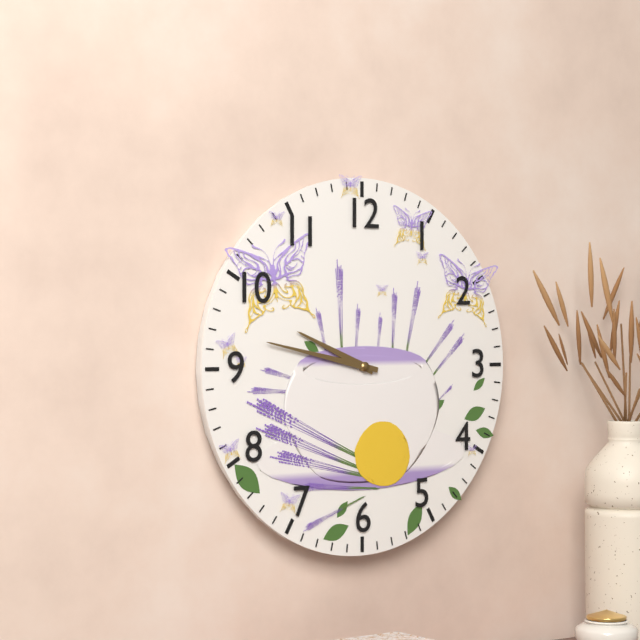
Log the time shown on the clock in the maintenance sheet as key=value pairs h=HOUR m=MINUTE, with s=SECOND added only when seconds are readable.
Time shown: h=9 m=47
